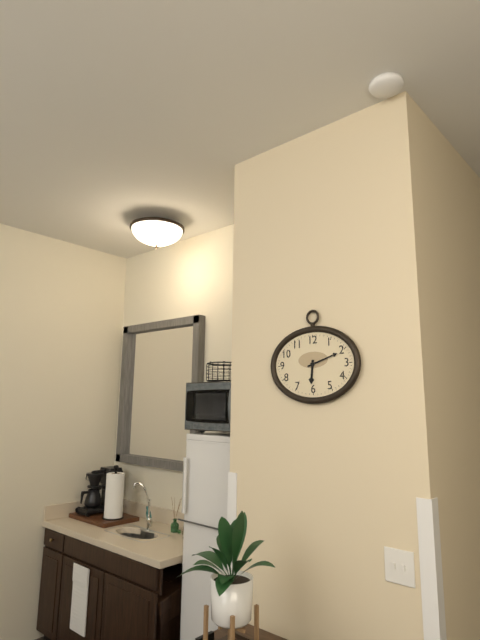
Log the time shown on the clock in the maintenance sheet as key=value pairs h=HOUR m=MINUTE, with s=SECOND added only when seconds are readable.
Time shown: h=6 m=12
